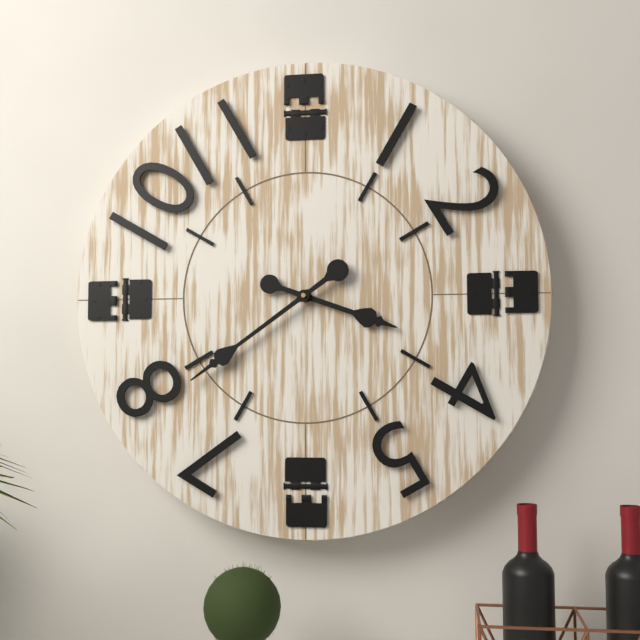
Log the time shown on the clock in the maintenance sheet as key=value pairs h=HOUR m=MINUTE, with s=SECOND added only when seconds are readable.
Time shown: h=3 m=39
